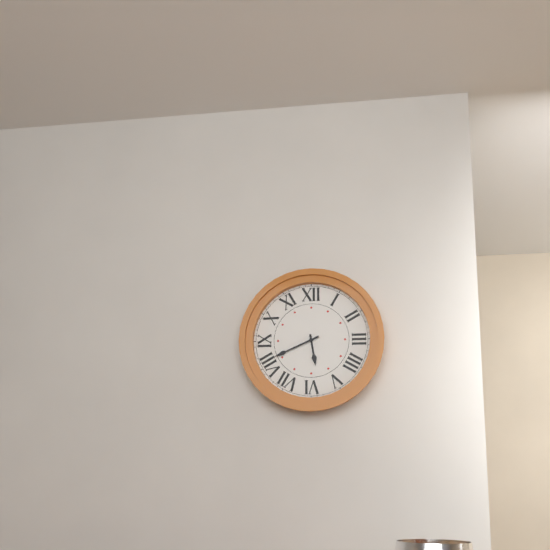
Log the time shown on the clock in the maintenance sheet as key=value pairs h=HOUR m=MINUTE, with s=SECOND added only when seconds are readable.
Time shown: h=5 m=41
